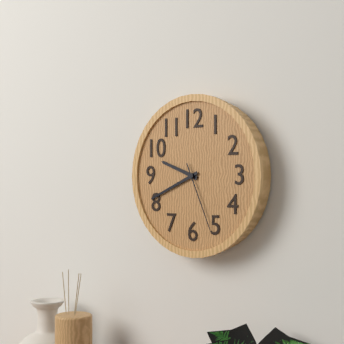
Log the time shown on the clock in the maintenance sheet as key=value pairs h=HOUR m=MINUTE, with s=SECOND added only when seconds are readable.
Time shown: h=9 m=41 s=26
